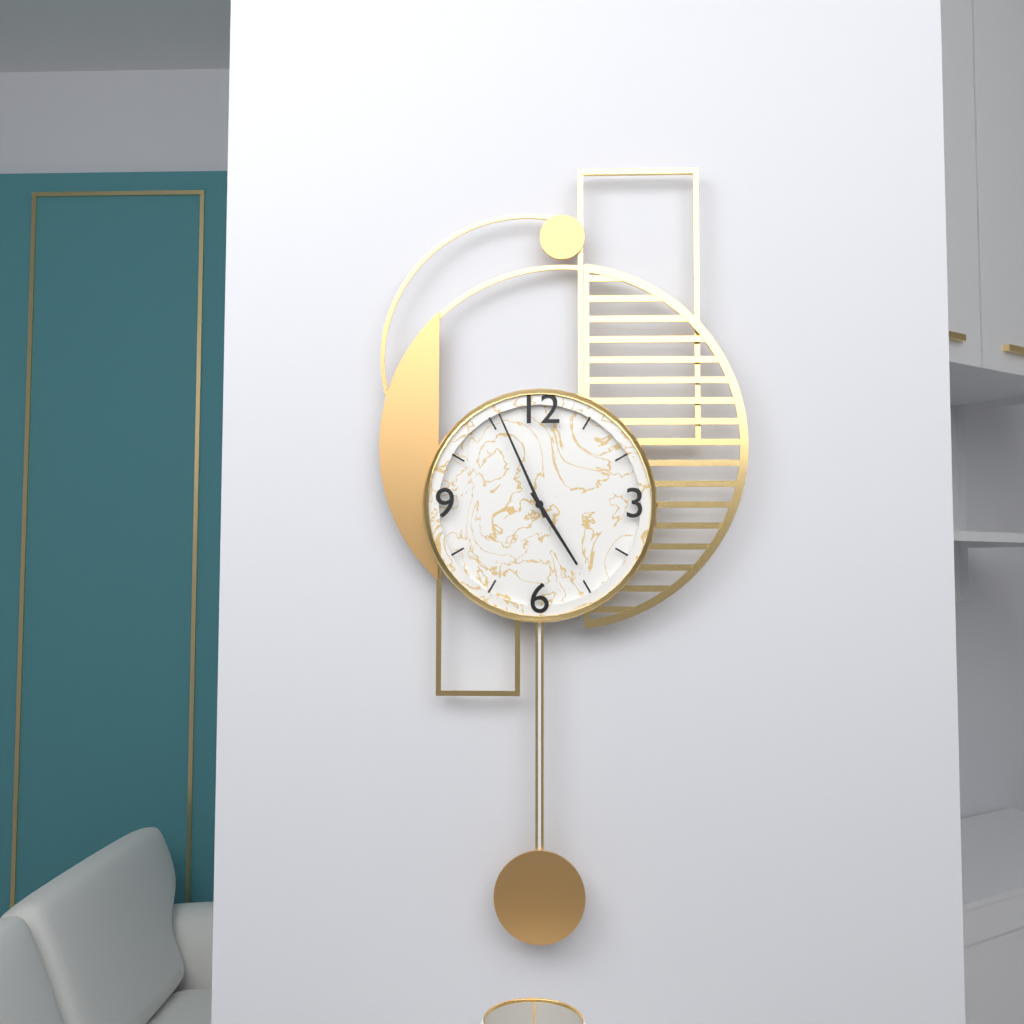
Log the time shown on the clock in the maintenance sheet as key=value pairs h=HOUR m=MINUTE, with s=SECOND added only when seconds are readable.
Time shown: h=4 m=56
